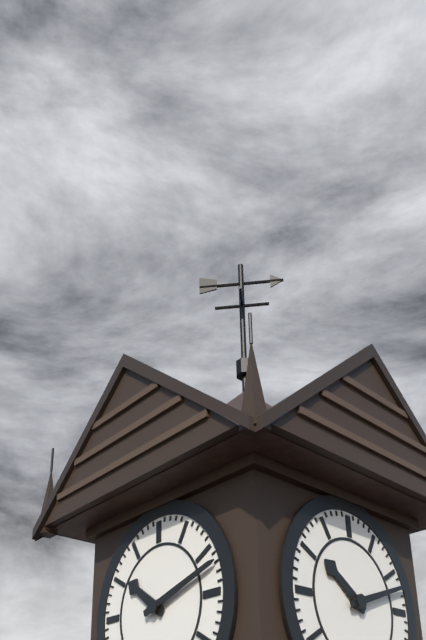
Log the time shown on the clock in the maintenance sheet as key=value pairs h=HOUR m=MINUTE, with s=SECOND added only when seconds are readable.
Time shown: h=10 m=12
